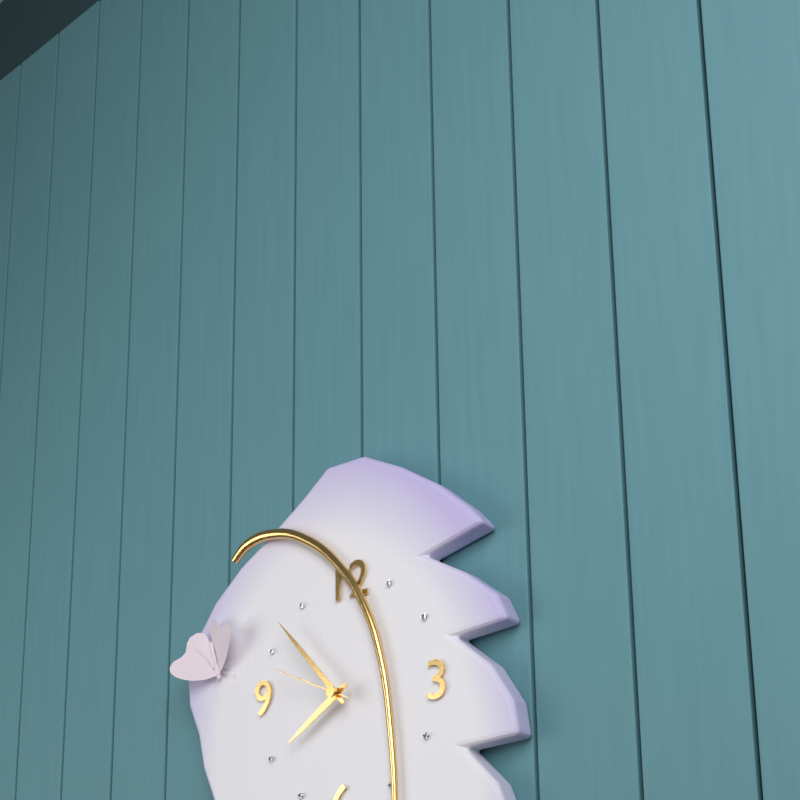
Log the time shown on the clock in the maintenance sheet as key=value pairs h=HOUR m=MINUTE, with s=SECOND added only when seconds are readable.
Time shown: h=7 m=53 s=49
